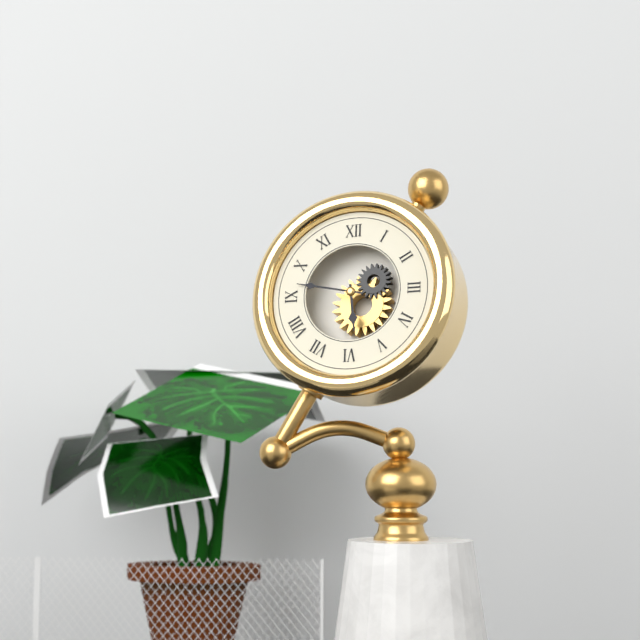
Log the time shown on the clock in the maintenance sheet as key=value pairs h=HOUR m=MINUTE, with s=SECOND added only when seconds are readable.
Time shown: h=5 m=47
